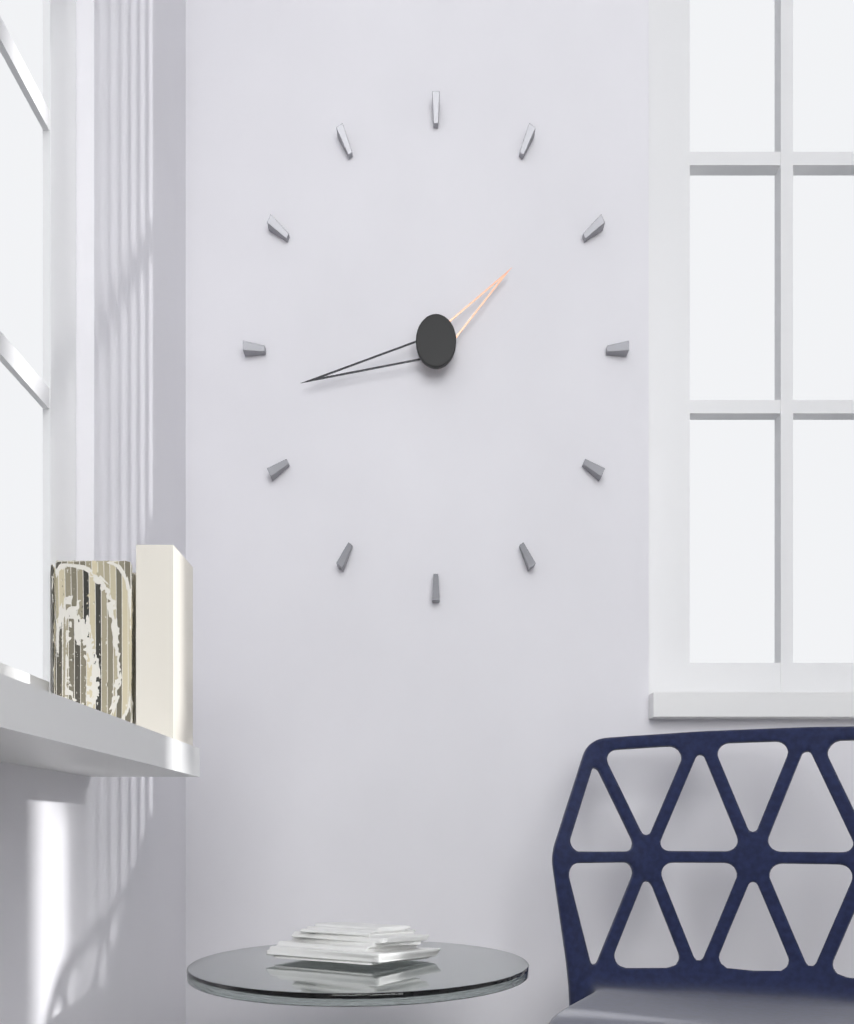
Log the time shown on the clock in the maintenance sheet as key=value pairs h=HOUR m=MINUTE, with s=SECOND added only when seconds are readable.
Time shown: h=1 m=43
